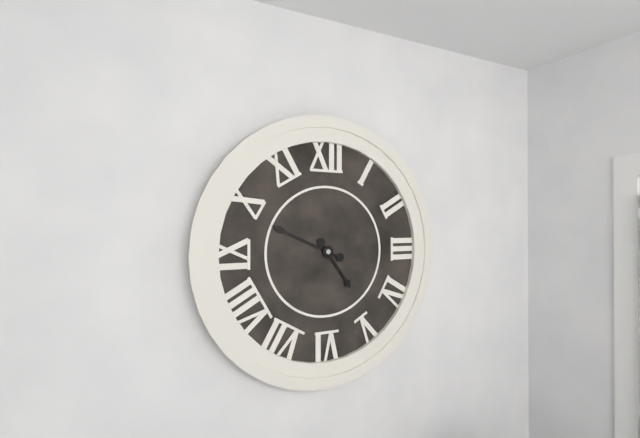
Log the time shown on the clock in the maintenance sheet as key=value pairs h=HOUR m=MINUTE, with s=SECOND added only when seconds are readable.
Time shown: h=4 m=49
